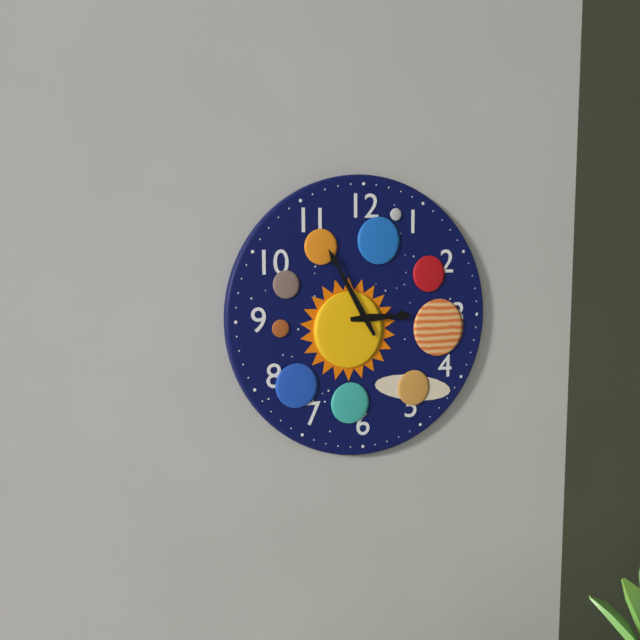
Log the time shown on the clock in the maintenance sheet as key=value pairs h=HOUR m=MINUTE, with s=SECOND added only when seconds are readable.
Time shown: h=2 m=55
